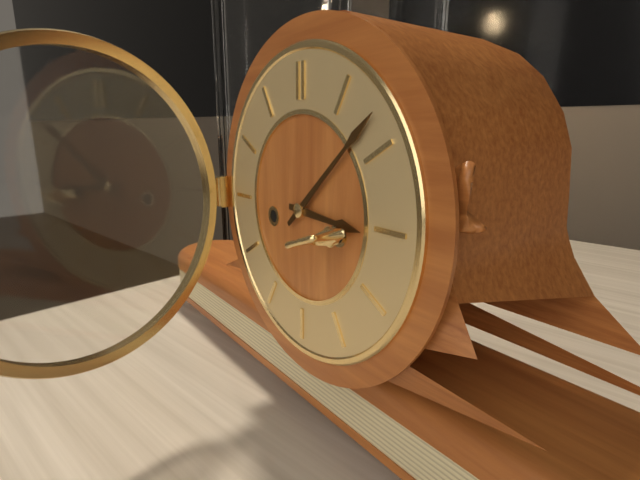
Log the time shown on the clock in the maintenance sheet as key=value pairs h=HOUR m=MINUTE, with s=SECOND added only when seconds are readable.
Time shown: h=3 m=8
